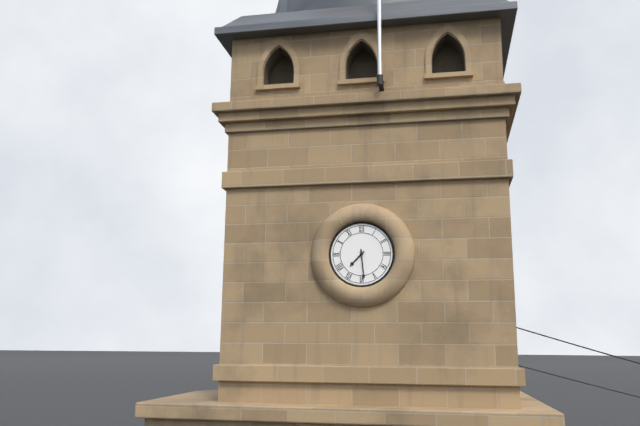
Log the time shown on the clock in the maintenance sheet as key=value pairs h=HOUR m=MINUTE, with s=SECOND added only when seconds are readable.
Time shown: h=7 m=29
